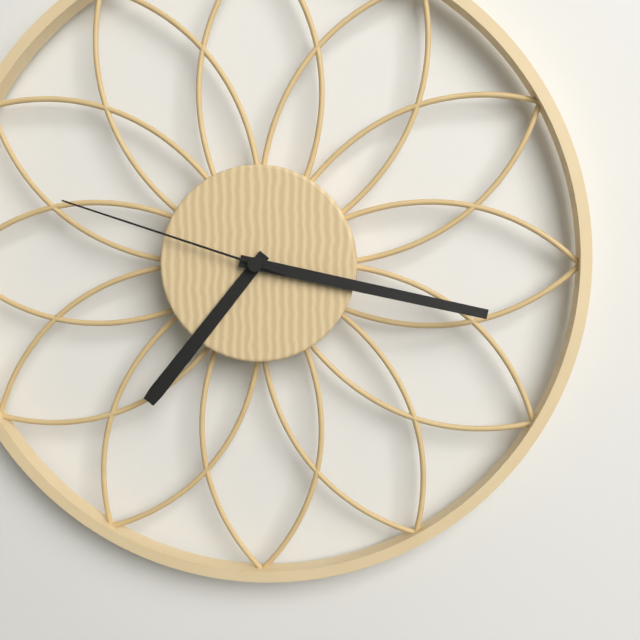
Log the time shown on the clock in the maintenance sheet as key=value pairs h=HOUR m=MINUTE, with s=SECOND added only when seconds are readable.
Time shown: h=7 m=17 s=48
